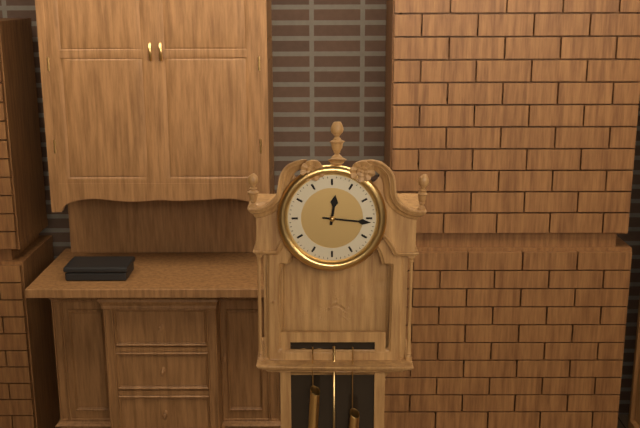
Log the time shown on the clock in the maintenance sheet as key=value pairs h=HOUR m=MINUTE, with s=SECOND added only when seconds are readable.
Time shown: h=12 m=16
